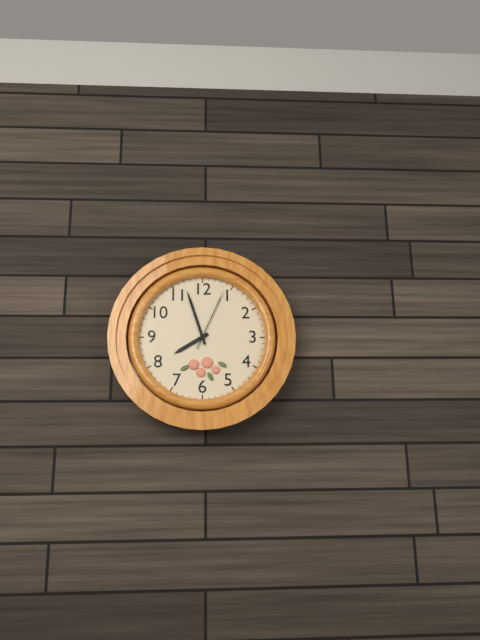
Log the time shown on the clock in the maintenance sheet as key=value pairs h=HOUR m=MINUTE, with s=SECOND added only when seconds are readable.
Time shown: h=7 m=57 s=4
